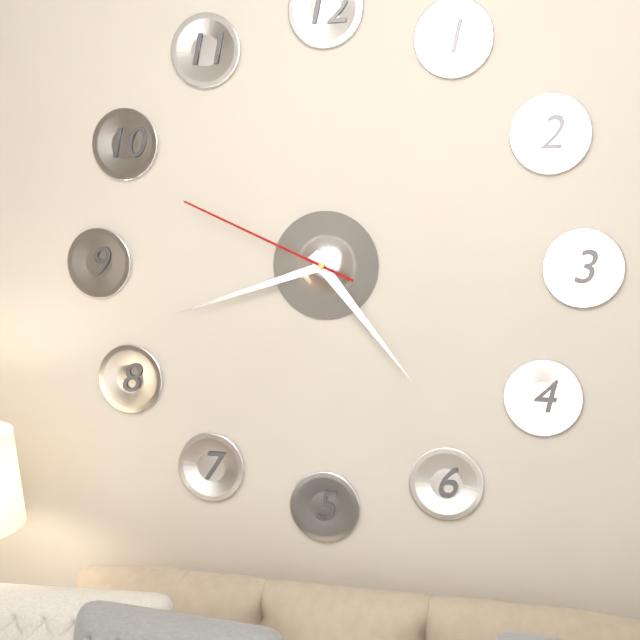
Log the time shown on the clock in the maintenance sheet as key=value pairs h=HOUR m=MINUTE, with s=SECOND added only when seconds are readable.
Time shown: h=4 m=42 s=49
